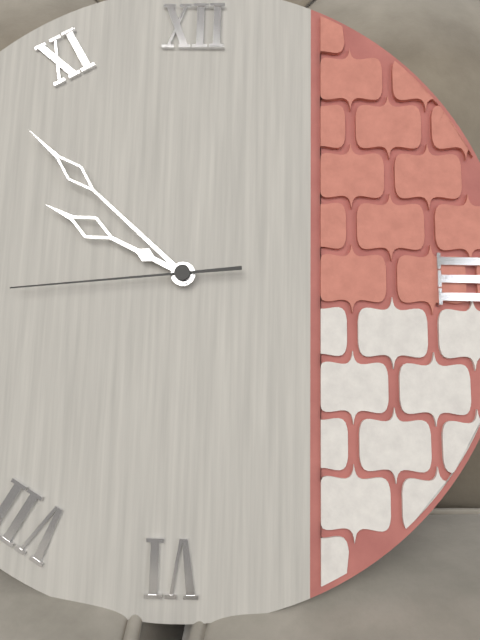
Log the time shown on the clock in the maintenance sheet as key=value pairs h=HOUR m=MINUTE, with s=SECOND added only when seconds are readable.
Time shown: h=9 m=52 s=44
